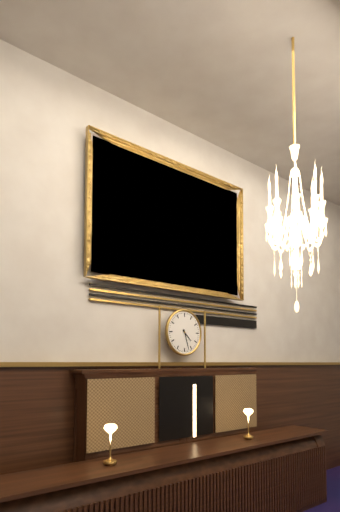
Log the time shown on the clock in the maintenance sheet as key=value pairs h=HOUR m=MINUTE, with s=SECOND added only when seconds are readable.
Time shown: h=4 m=27
